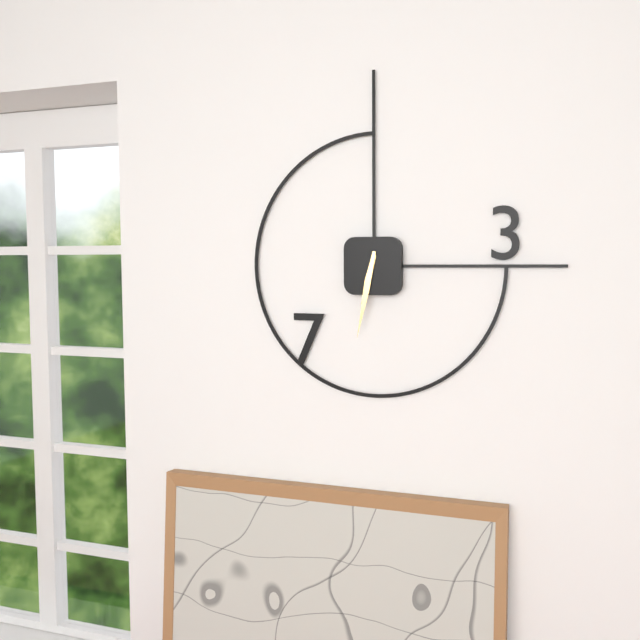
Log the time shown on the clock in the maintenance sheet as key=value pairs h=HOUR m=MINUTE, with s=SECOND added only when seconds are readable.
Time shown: h=6 m=32
